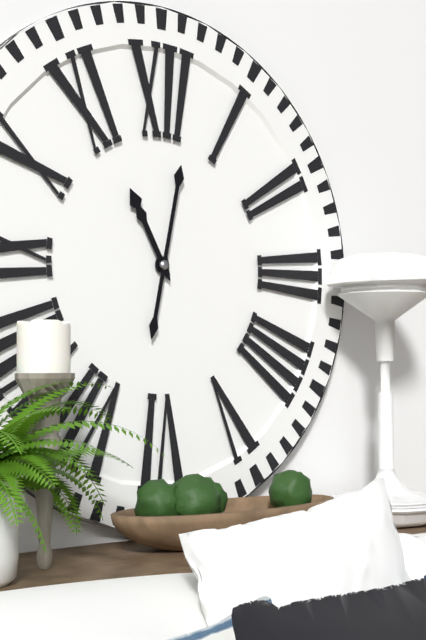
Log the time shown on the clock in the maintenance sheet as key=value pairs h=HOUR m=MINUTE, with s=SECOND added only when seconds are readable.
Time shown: h=11 m=2
